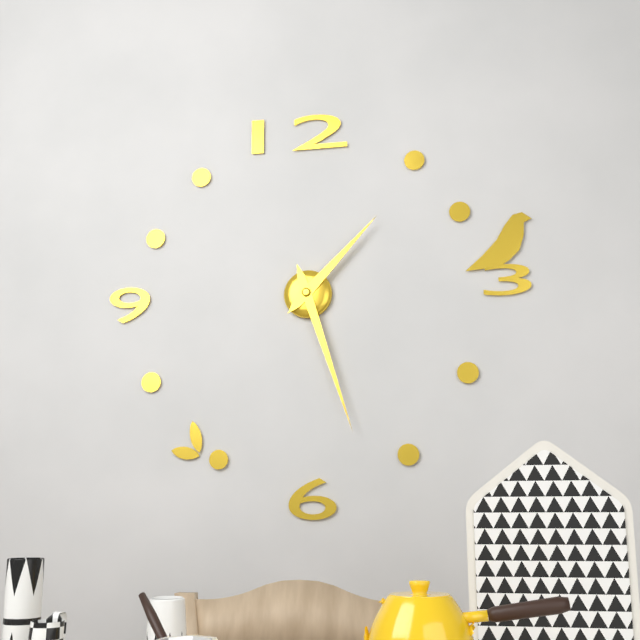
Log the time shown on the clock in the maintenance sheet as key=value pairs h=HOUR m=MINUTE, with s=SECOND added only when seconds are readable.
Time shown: h=1 m=27
